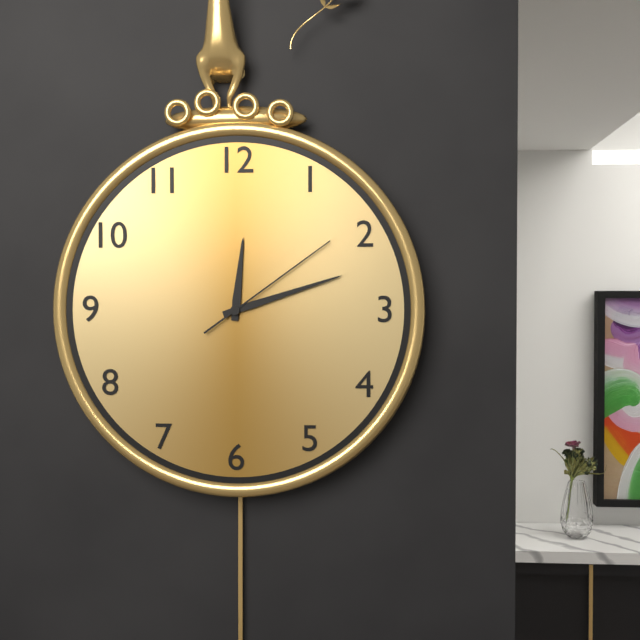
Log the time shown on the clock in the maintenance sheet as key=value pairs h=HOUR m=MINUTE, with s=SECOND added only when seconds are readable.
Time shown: h=12 m=12 s=9
